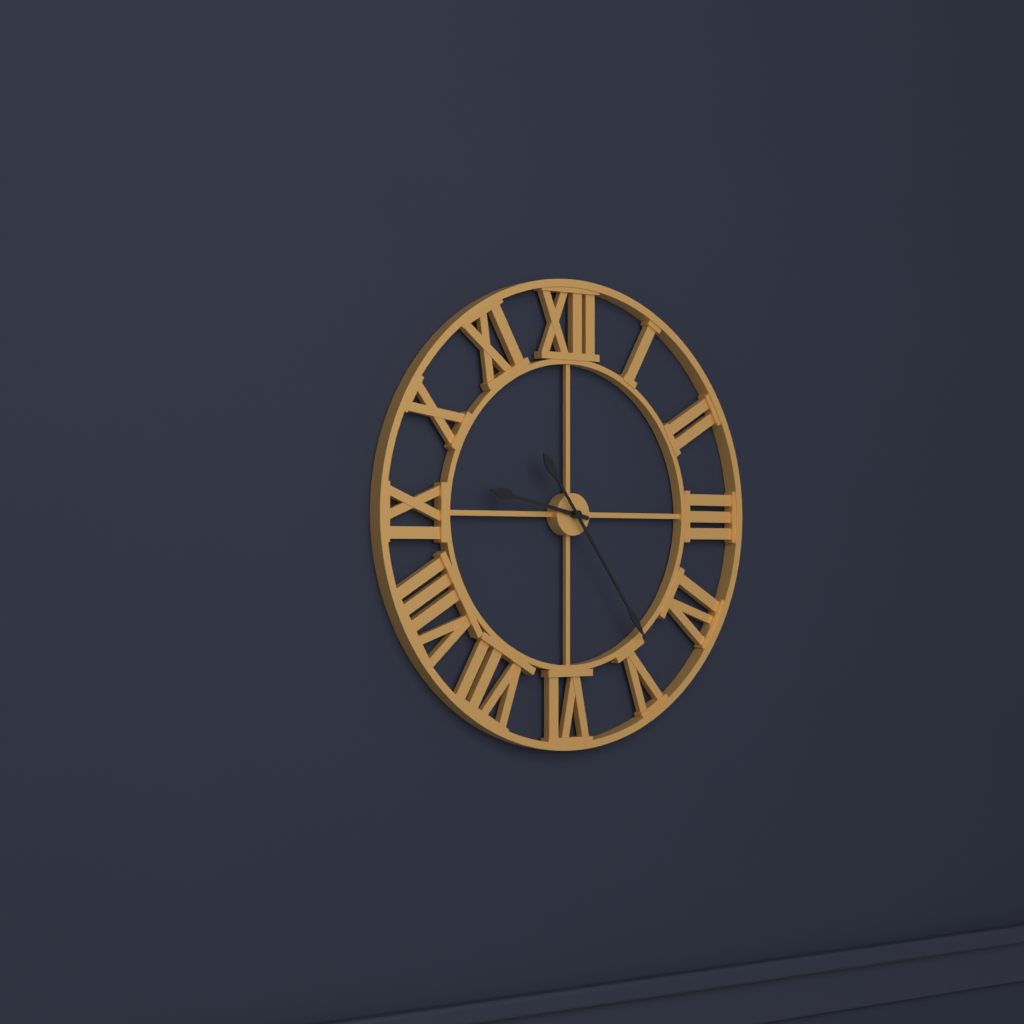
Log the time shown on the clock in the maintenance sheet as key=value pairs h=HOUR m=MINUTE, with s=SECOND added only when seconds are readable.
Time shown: h=9 m=24
